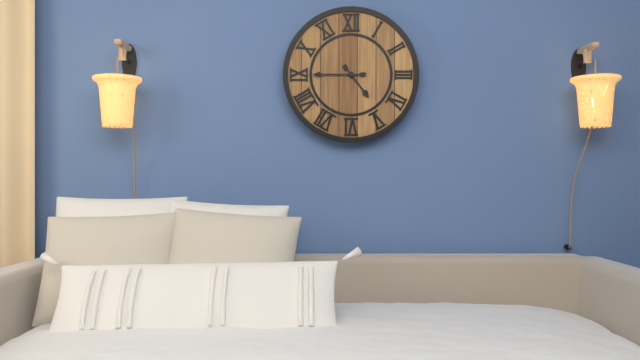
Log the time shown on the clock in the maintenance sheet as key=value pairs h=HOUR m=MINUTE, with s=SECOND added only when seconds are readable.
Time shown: h=4 m=45
